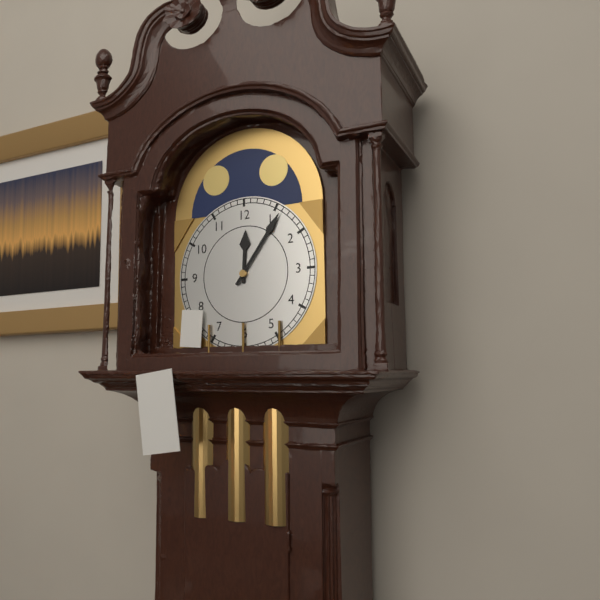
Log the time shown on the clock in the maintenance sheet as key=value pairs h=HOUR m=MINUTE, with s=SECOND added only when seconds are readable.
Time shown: h=12 m=6
